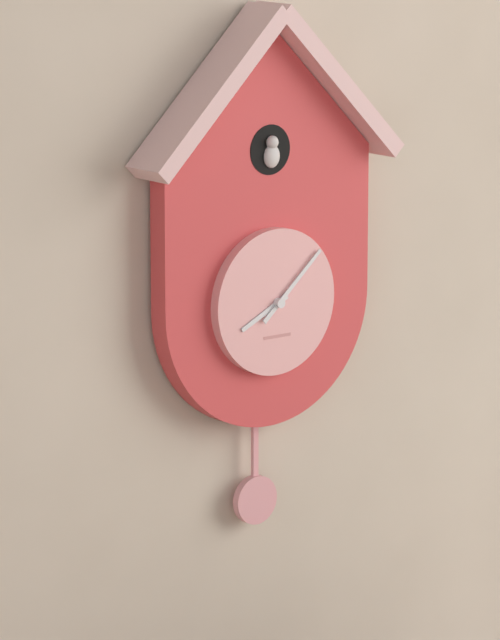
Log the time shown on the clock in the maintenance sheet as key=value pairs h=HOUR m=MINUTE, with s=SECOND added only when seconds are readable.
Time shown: h=8 m=8
